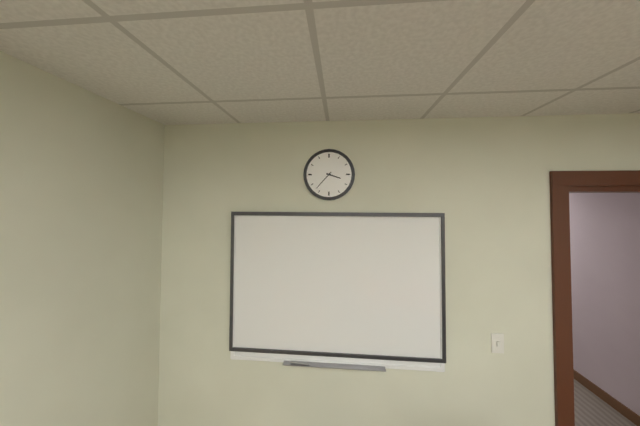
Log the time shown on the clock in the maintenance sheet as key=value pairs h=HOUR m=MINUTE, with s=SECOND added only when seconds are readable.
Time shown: h=3 m=37
